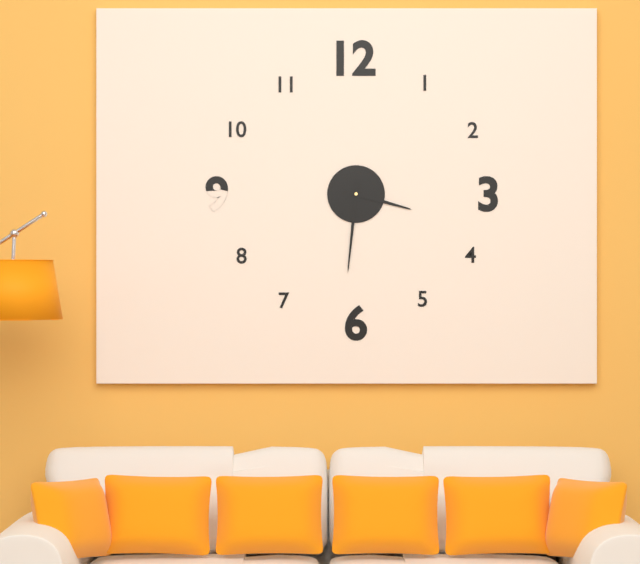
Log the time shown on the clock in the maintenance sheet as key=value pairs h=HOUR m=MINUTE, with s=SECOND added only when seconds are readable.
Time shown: h=3 m=31
